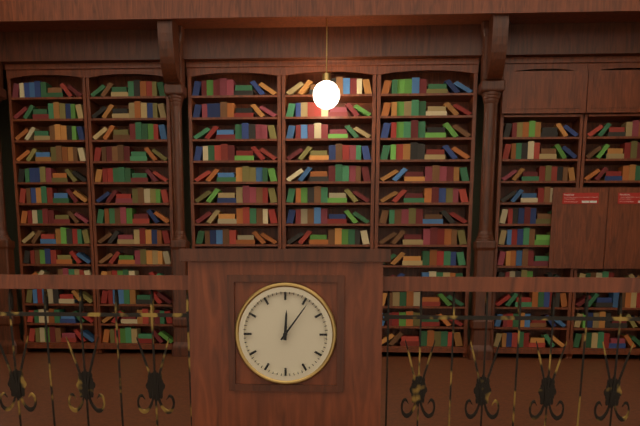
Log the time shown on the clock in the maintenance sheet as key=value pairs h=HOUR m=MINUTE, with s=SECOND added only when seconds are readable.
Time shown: h=12 m=6
